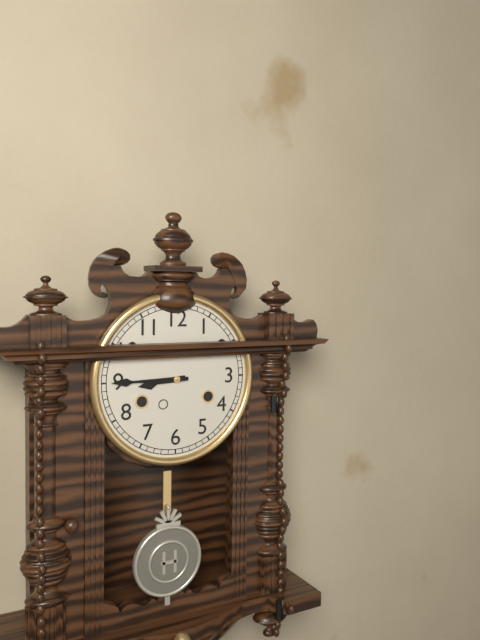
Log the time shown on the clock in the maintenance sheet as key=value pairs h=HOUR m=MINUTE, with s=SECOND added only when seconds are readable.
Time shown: h=8 m=45
